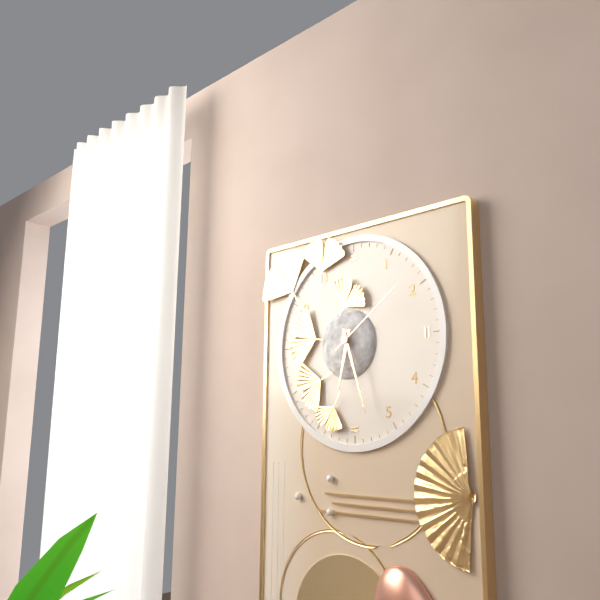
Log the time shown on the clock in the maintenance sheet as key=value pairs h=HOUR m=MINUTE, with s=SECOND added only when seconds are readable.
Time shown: h=6 m=27 s=9
